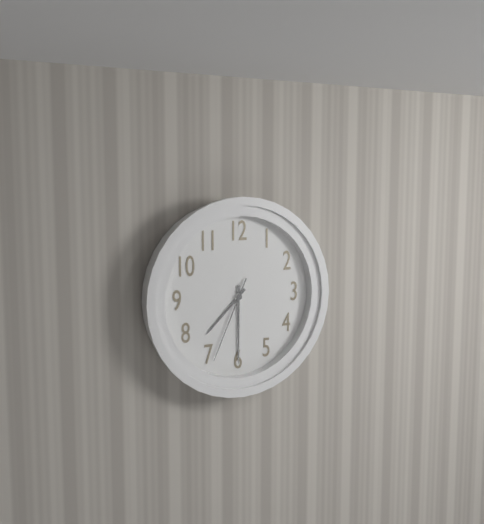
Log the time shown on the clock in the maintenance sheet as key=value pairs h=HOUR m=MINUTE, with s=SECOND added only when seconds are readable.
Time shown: h=7 m=30 s=34
